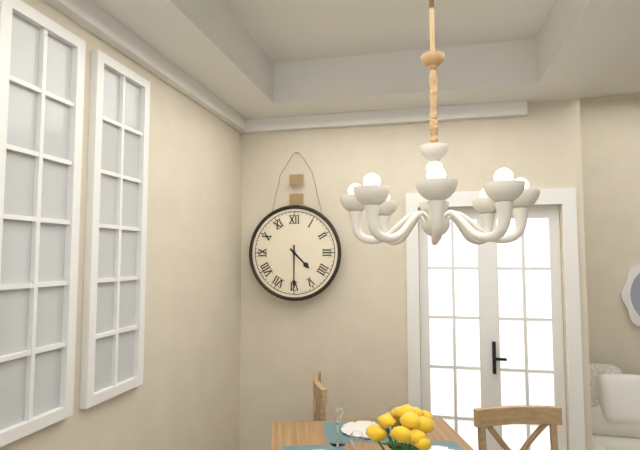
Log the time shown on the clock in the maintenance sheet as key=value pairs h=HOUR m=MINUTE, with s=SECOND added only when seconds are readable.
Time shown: h=4 m=30
